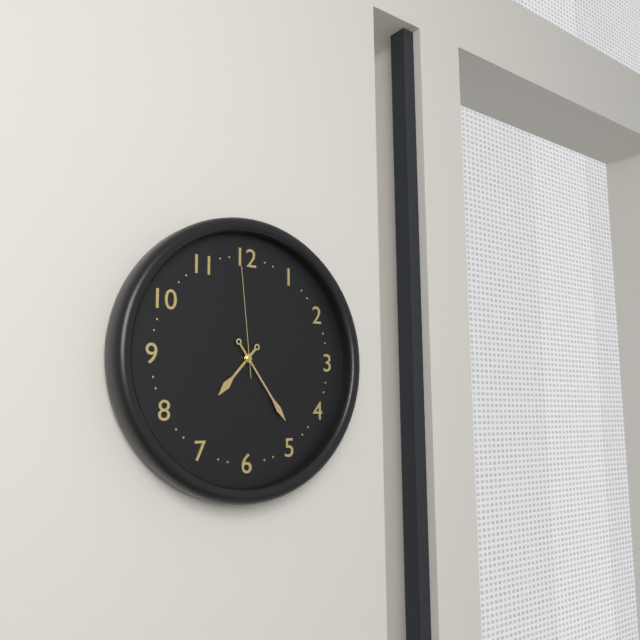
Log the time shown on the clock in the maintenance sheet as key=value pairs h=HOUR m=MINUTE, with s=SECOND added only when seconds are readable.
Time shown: h=7 m=24 s=59
